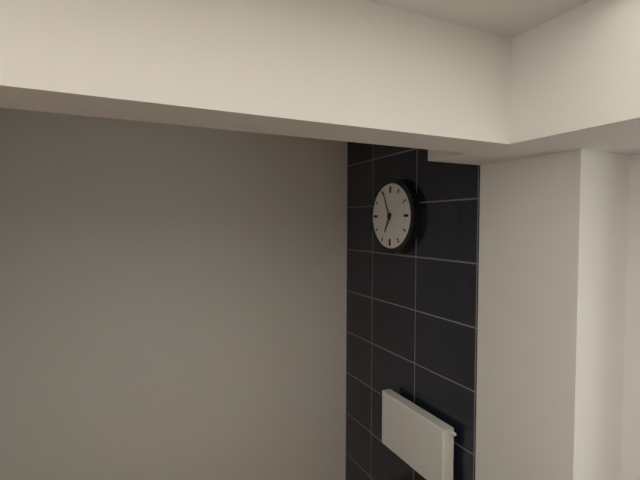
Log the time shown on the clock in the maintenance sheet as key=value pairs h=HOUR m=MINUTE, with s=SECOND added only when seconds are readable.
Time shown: h=6 m=56
